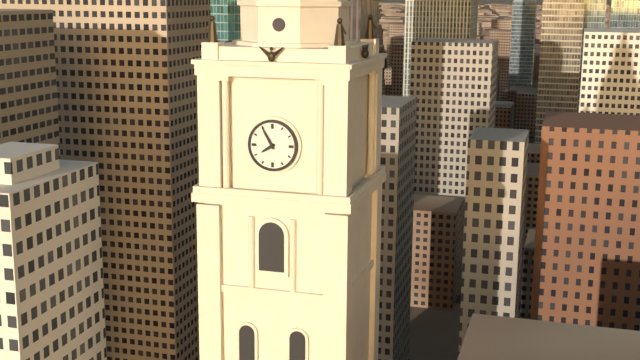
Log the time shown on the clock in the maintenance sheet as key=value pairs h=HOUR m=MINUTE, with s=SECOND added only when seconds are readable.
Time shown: h=7 m=55
